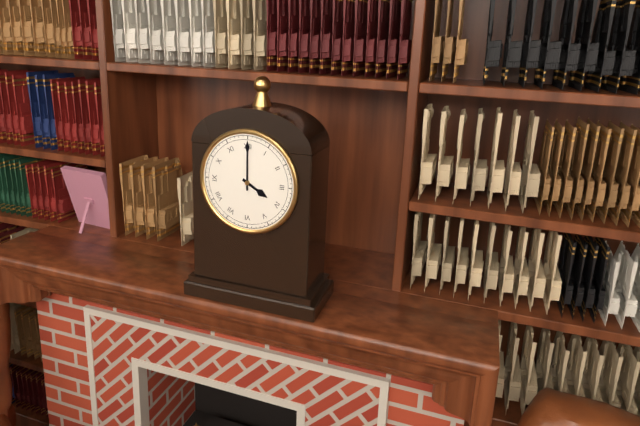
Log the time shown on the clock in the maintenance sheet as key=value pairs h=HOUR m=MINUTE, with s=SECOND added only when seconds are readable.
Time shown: h=4 m=0
